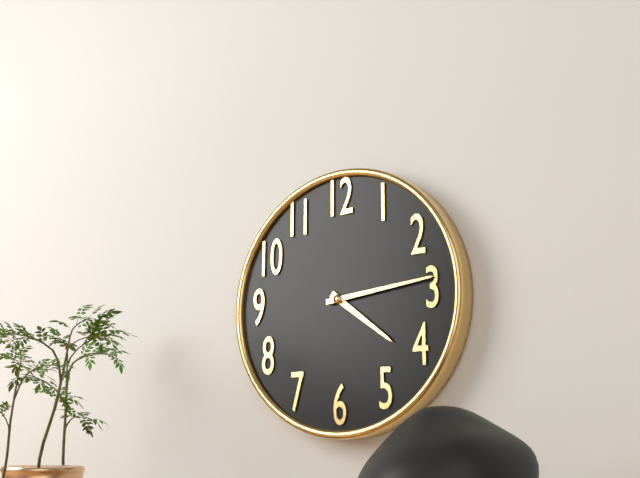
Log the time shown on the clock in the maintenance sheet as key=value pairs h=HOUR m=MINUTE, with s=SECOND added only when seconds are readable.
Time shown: h=4 m=14
